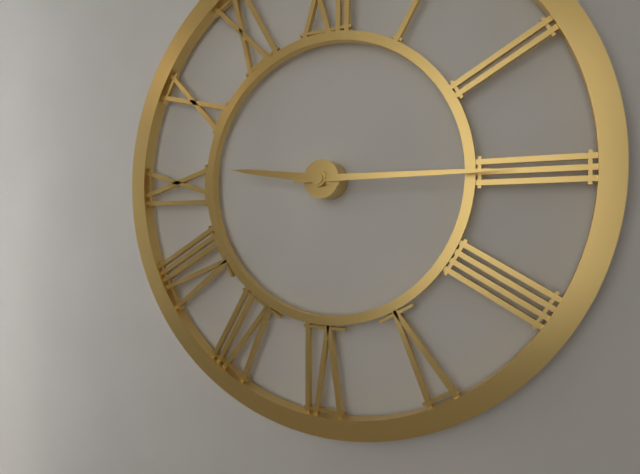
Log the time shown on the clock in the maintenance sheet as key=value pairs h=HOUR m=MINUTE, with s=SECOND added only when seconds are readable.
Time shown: h=9 m=15
